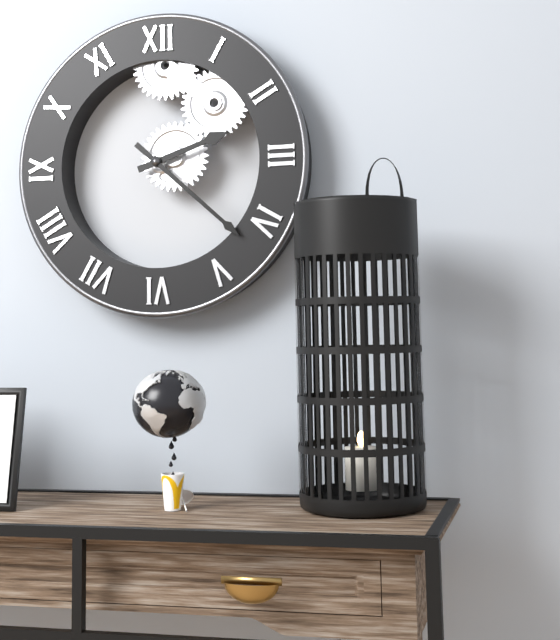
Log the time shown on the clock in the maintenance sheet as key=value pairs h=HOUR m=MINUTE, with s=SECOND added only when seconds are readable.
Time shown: h=2 m=22
